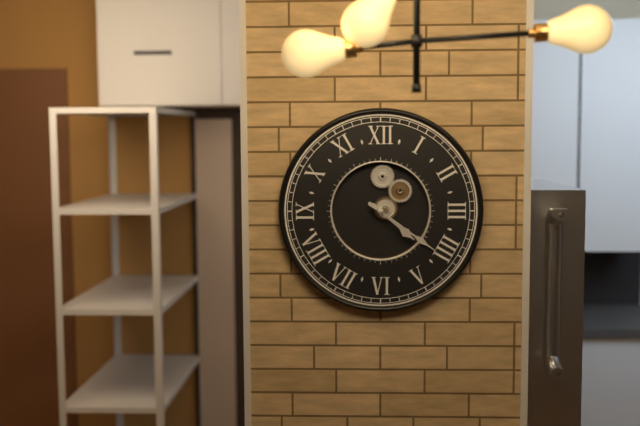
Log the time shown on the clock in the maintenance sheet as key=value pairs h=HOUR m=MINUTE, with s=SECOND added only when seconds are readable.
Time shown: h=4 m=21
